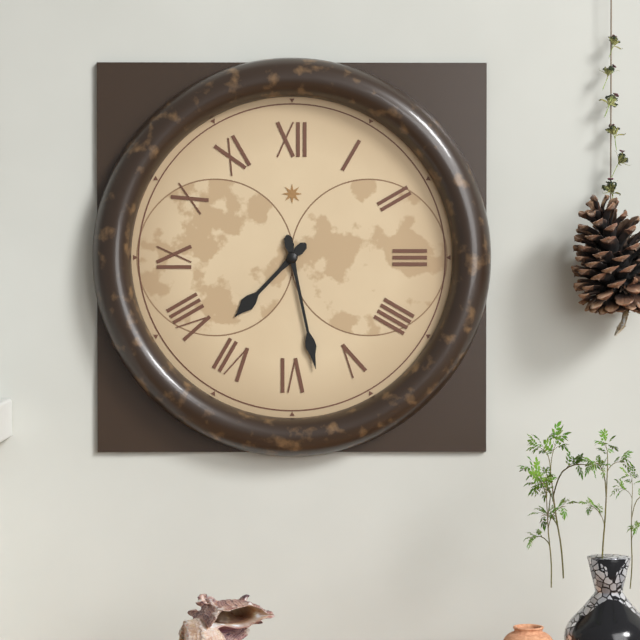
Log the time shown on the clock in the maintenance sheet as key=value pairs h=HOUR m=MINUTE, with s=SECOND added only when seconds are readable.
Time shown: h=7 m=28
